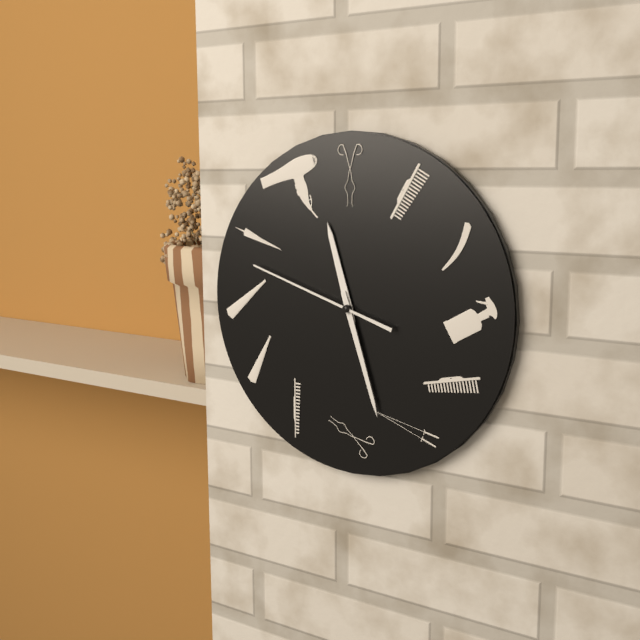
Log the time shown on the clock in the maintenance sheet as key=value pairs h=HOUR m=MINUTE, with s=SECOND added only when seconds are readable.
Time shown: h=11 m=27 s=48
